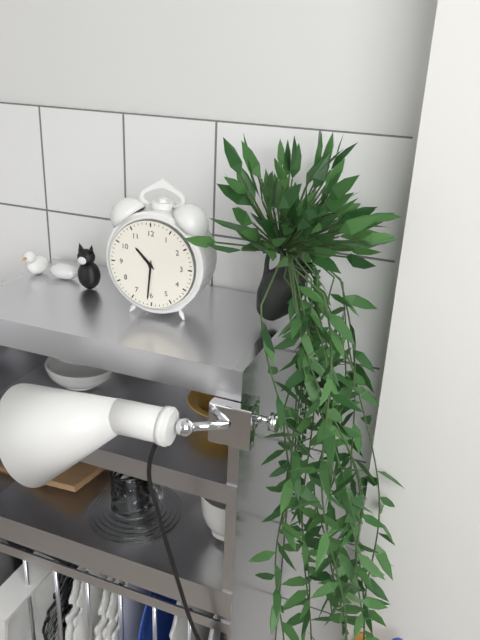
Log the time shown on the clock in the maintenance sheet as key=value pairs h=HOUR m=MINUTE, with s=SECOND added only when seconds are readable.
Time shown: h=10 m=31
